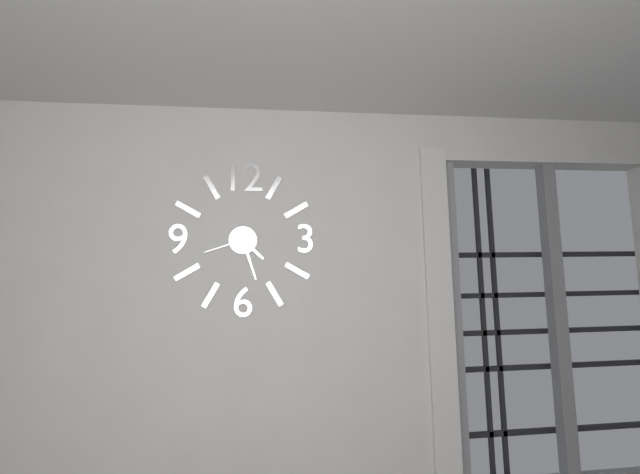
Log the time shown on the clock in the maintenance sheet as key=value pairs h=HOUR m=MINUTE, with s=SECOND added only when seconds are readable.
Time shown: h=4 m=27 s=42
